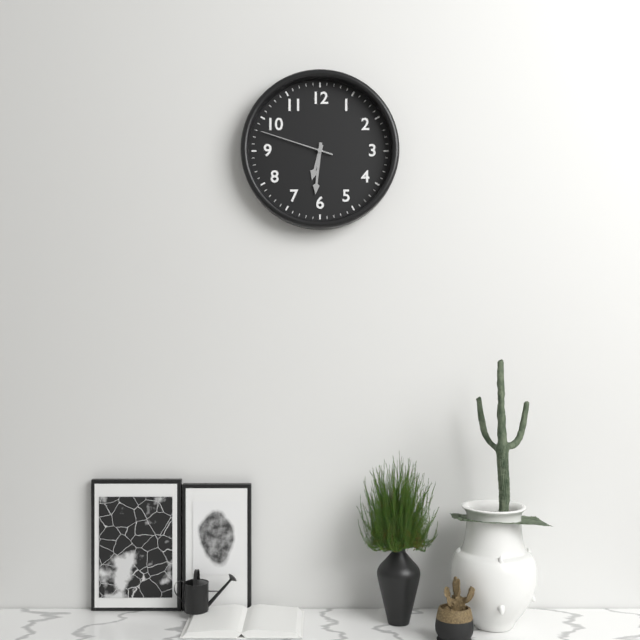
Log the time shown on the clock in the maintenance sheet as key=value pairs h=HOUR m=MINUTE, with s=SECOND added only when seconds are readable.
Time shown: h=6 m=31 s=48
